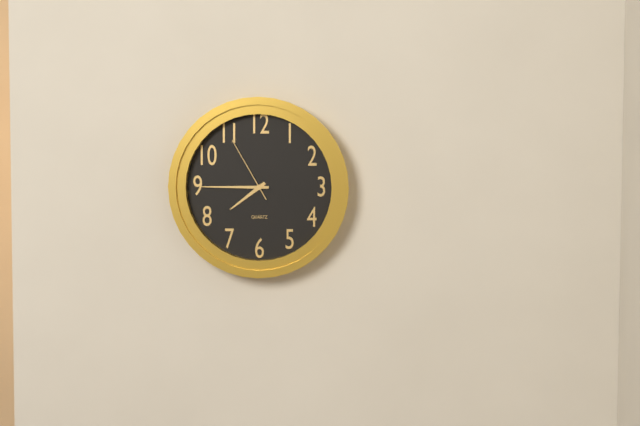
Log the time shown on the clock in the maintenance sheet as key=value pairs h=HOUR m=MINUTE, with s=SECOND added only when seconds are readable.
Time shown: h=7 m=45 s=55
